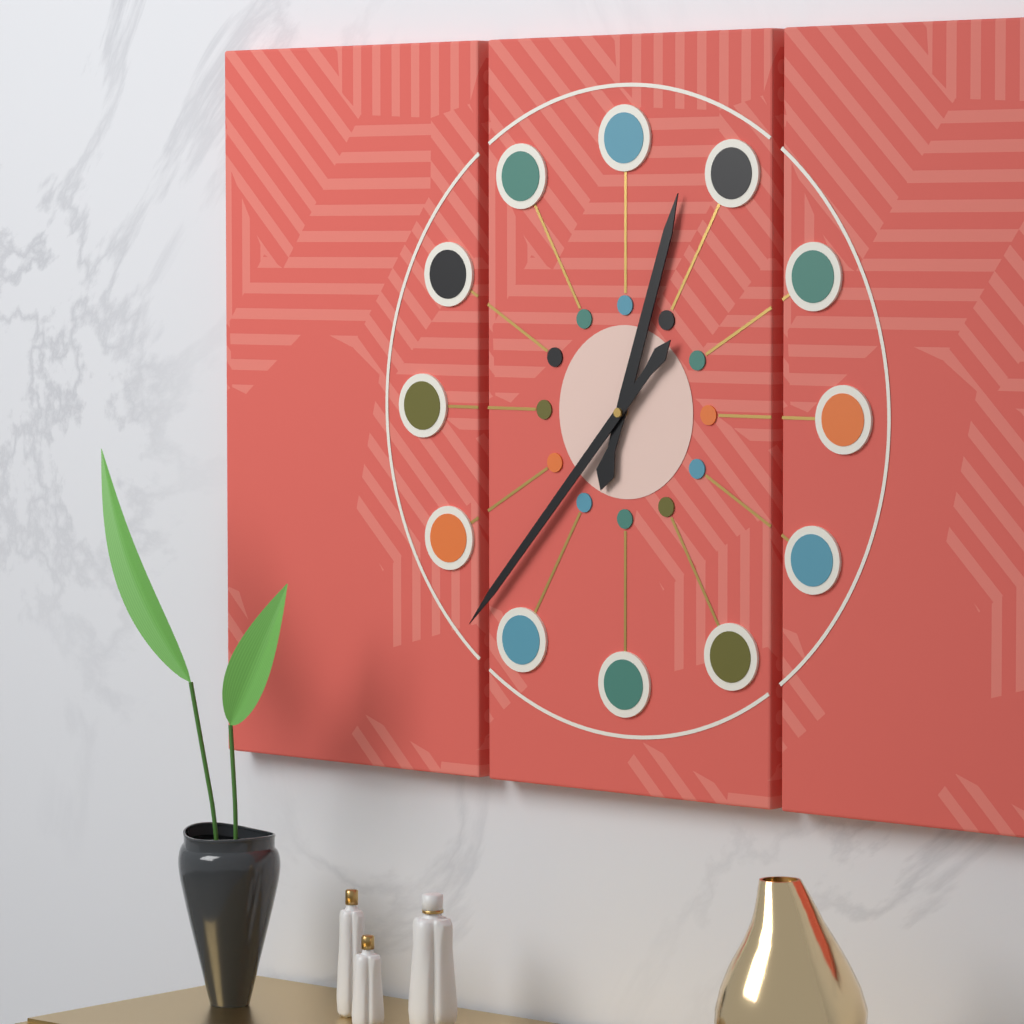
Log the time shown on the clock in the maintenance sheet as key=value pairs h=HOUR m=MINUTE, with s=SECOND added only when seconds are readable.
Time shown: h=12 m=37
